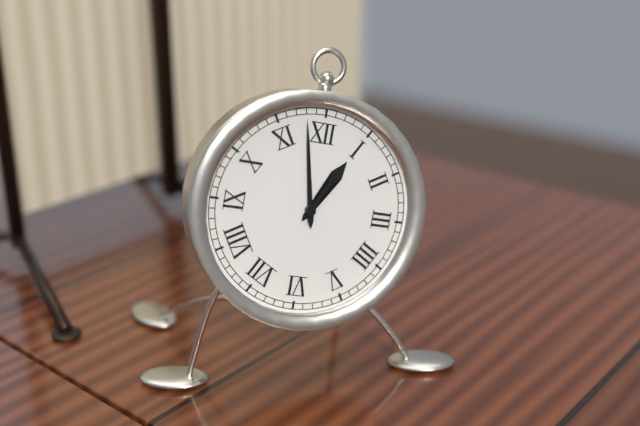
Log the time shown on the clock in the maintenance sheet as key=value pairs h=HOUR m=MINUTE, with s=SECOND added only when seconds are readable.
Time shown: h=12 m=58
